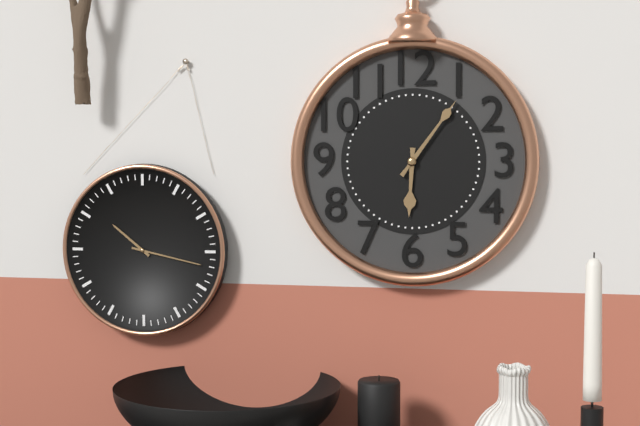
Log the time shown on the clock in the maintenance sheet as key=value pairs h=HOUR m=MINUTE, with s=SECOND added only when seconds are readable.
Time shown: h=6 m=6
